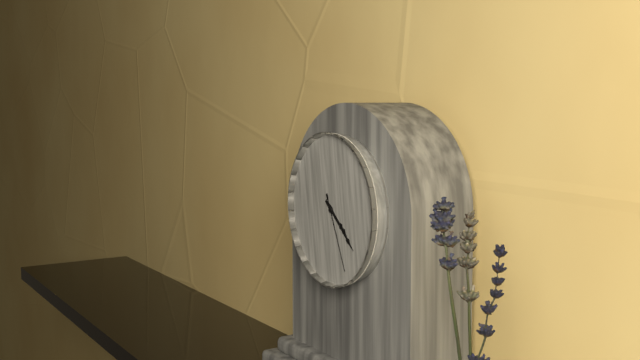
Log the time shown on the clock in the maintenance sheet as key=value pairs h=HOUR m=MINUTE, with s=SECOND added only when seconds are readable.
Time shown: h=4 m=22 s=26
